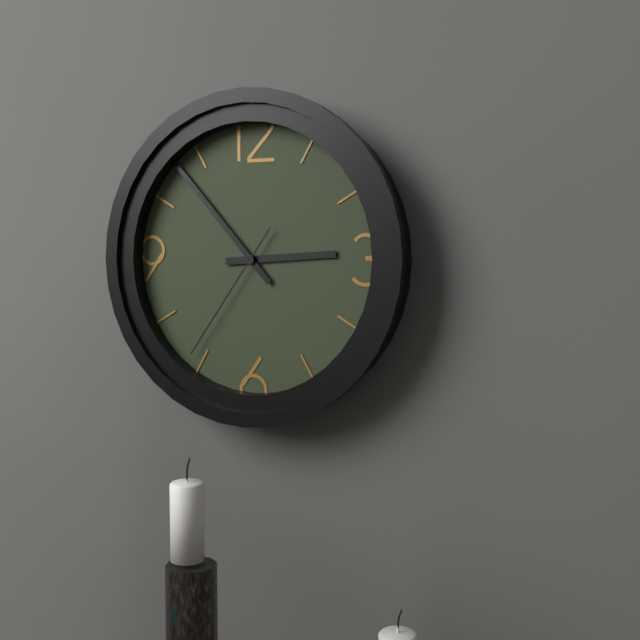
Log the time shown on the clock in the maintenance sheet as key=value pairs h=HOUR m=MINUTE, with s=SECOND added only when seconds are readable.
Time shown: h=2 m=53 s=36
